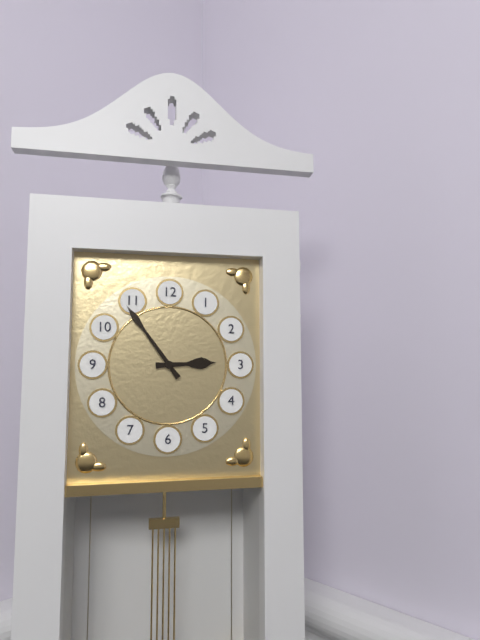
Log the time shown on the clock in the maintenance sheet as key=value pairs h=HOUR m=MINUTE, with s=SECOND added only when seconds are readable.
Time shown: h=2 m=54
